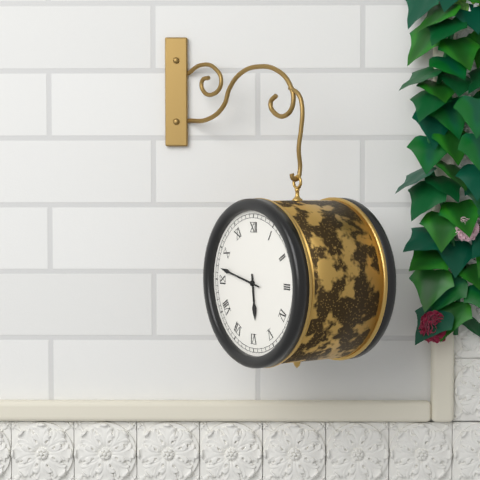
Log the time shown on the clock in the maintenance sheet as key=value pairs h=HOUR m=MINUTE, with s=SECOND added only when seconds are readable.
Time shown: h=5 m=47
